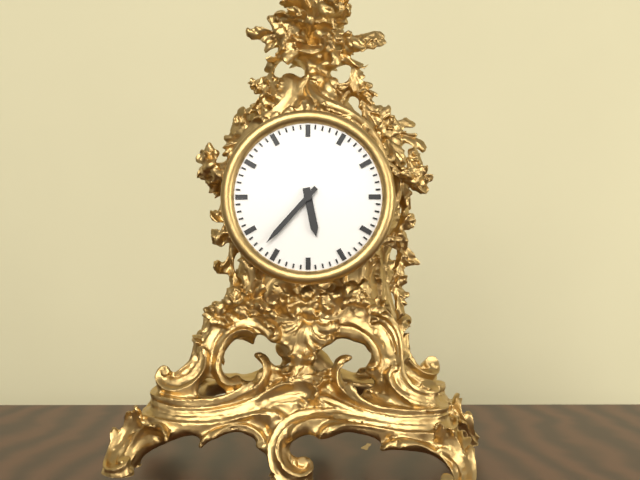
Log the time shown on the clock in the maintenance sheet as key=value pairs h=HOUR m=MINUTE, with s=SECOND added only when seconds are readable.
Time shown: h=5 m=37
